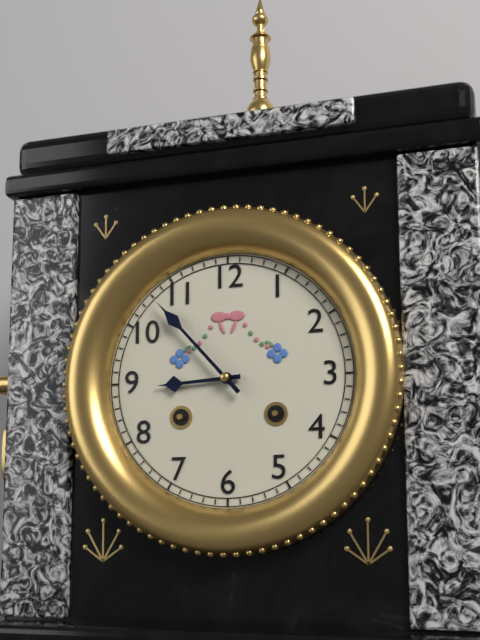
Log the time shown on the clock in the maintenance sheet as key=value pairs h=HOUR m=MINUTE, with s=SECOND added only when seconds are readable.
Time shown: h=8 m=53
